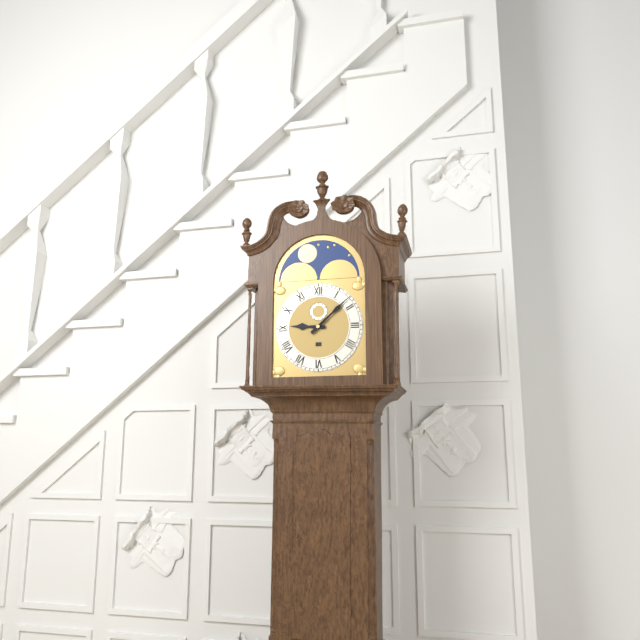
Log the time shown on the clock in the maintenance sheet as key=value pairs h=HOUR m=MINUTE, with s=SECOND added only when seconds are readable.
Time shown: h=9 m=8
